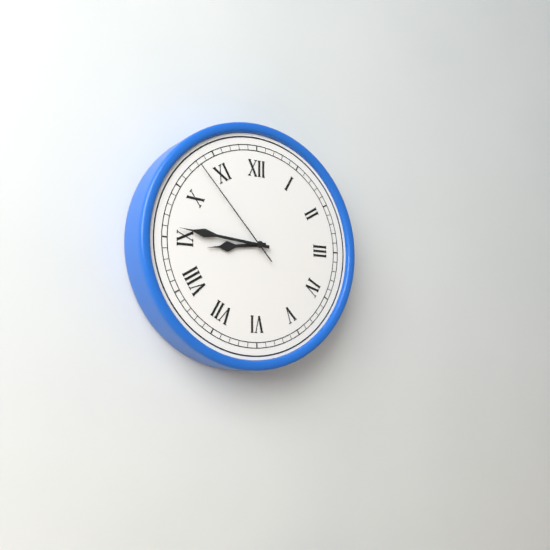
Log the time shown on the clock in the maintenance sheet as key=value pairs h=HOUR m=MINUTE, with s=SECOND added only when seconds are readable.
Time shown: h=8 m=46 s=53
